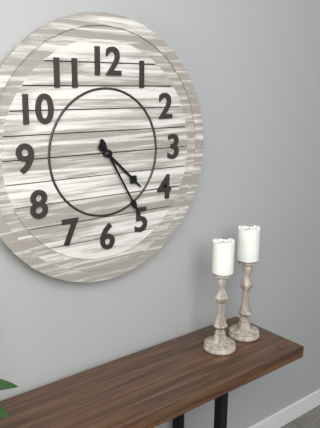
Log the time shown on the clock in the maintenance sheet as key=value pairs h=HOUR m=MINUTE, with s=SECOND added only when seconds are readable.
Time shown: h=4 m=25
